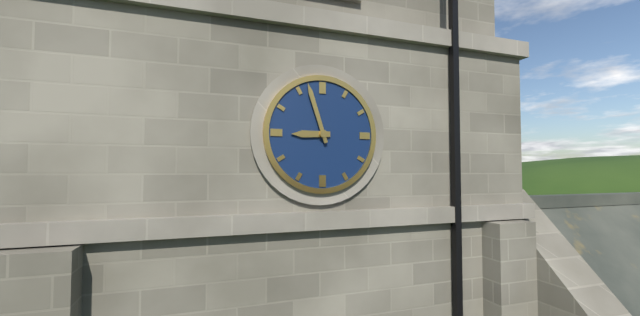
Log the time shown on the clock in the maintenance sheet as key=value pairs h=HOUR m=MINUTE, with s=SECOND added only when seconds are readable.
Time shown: h=8 m=57
